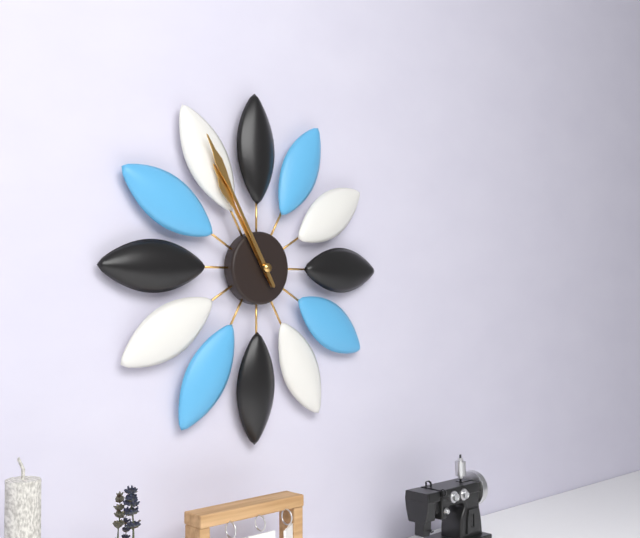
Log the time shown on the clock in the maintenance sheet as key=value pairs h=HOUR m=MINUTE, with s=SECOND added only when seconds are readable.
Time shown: h=10 m=55
